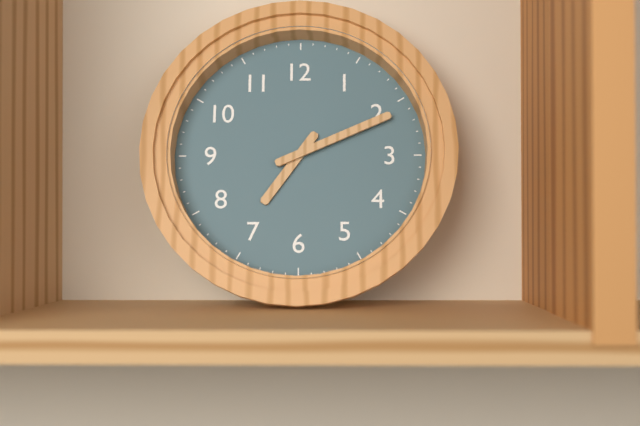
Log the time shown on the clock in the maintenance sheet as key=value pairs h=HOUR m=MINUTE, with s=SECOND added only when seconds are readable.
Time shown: h=7 m=11
